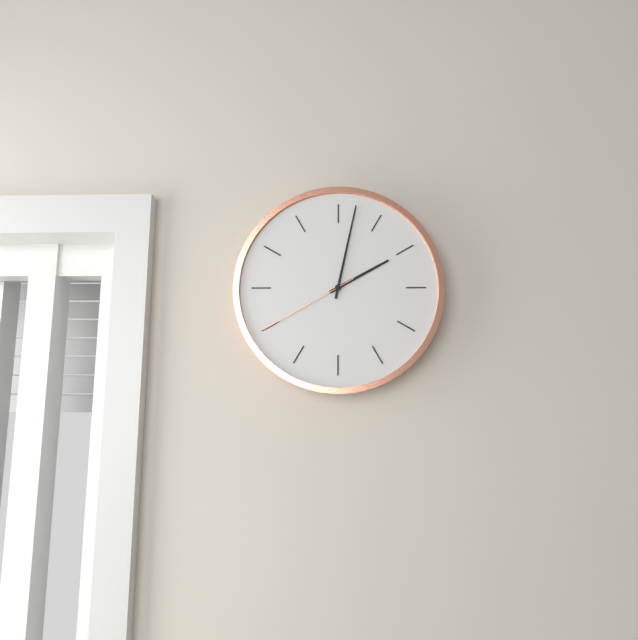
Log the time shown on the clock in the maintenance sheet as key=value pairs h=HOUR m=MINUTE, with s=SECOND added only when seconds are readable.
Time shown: h=2 m=2 s=40
